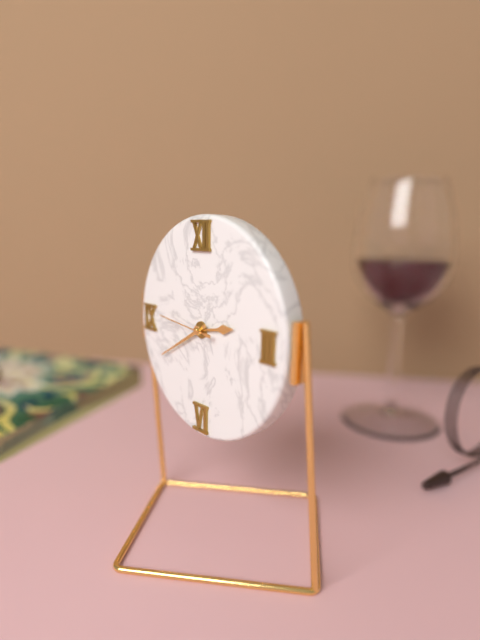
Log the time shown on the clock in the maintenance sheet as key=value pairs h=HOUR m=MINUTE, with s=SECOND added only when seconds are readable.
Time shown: h=2 m=40
